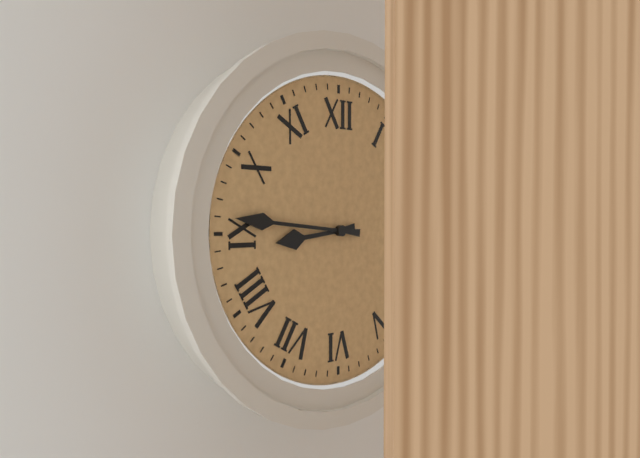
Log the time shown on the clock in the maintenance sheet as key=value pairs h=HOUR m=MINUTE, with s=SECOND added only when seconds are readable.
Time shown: h=8 m=46
